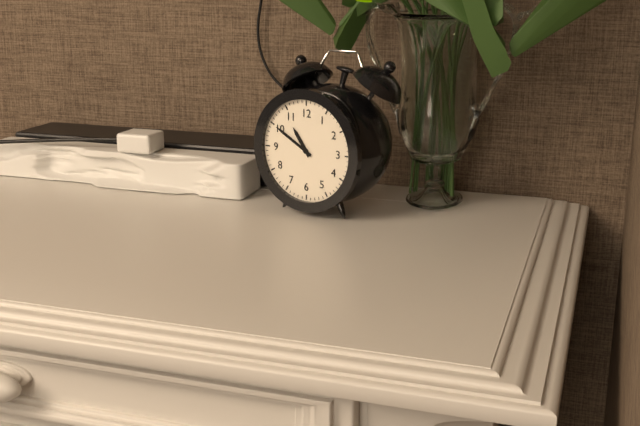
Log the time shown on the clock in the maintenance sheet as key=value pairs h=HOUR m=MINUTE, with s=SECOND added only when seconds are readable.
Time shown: h=10 m=50
